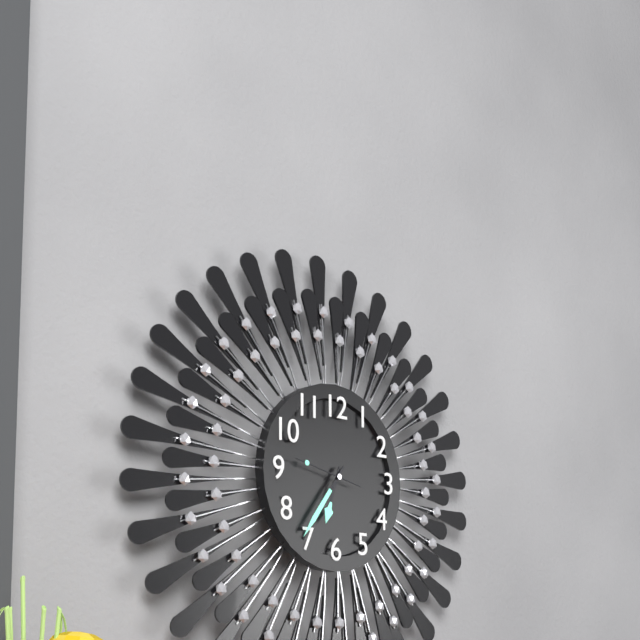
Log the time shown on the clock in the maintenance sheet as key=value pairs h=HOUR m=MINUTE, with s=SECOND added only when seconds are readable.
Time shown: h=6 m=36 s=47
